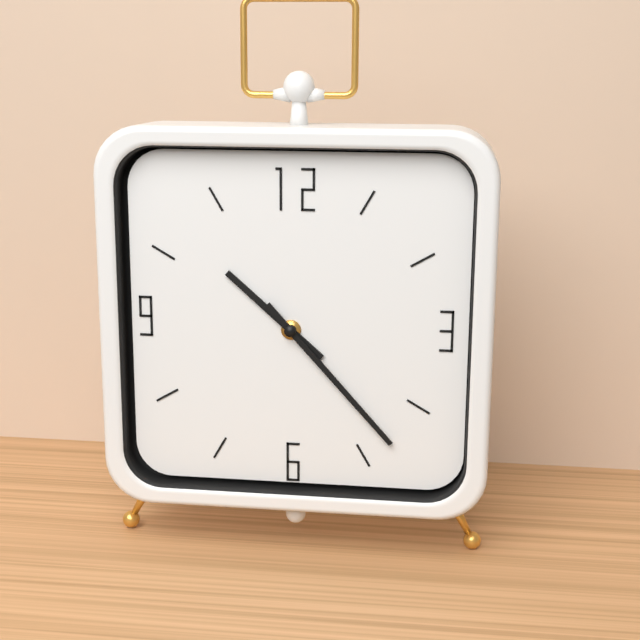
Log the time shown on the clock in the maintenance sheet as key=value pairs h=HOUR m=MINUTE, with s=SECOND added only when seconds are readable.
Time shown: h=10 m=23
